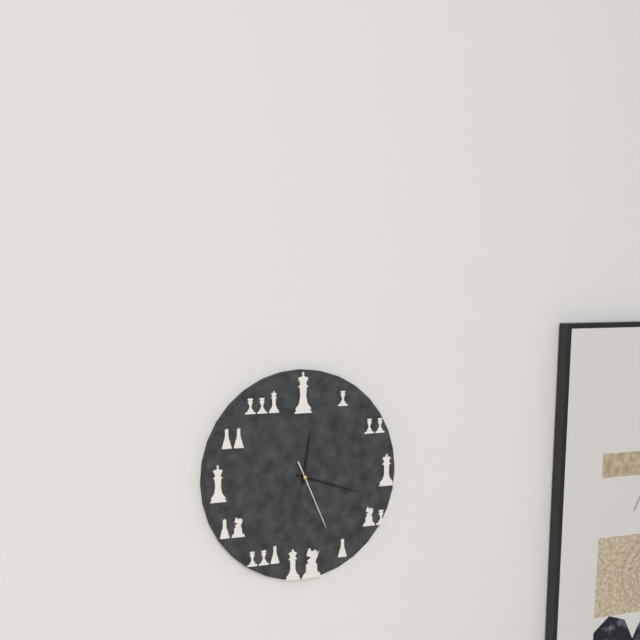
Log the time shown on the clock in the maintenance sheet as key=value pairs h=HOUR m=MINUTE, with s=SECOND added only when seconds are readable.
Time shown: h=12 m=18 s=26
